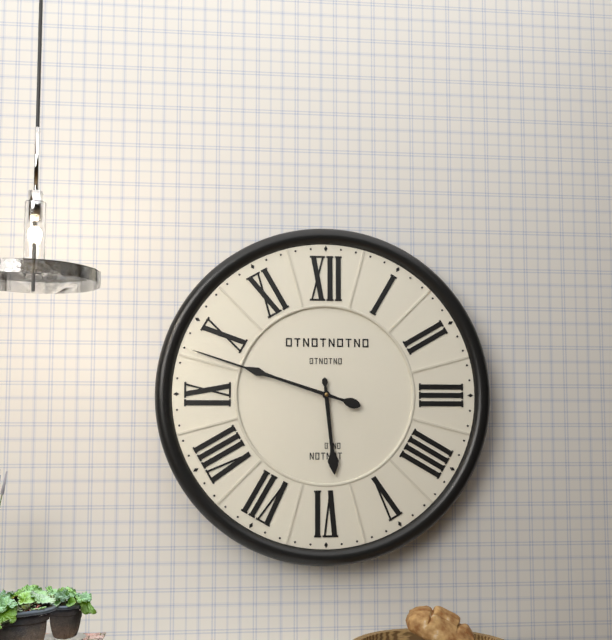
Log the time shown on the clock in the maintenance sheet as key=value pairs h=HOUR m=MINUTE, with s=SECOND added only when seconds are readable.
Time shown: h=5 m=48
